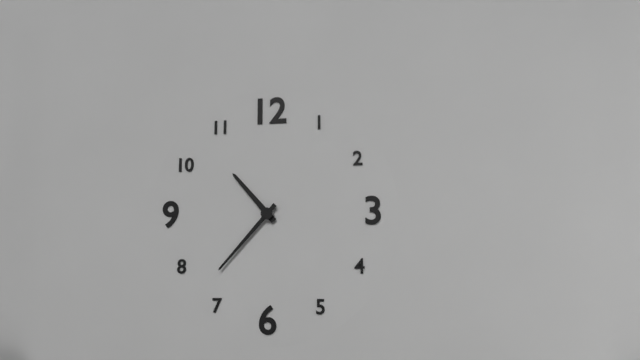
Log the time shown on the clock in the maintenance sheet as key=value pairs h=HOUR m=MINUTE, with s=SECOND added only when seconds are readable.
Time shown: h=10 m=37
